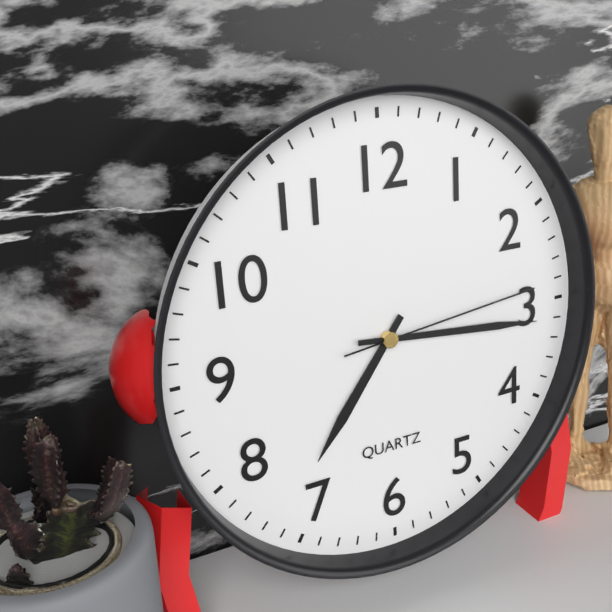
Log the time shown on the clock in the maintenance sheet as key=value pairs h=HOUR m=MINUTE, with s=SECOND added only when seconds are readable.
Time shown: h=7 m=16 s=14
